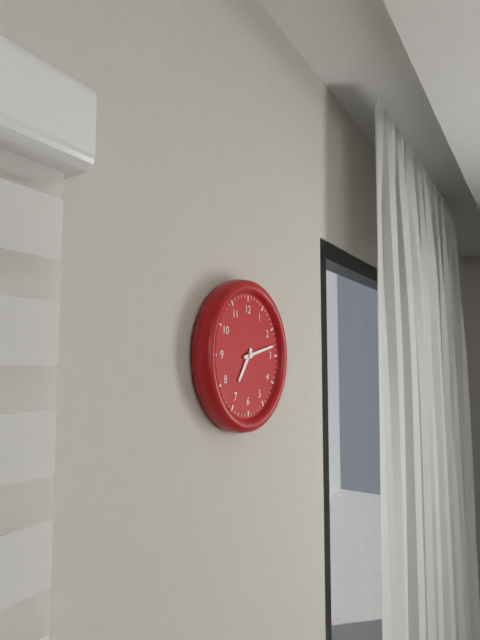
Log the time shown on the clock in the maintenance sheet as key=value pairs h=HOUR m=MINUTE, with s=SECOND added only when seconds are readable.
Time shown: h=7 m=13
